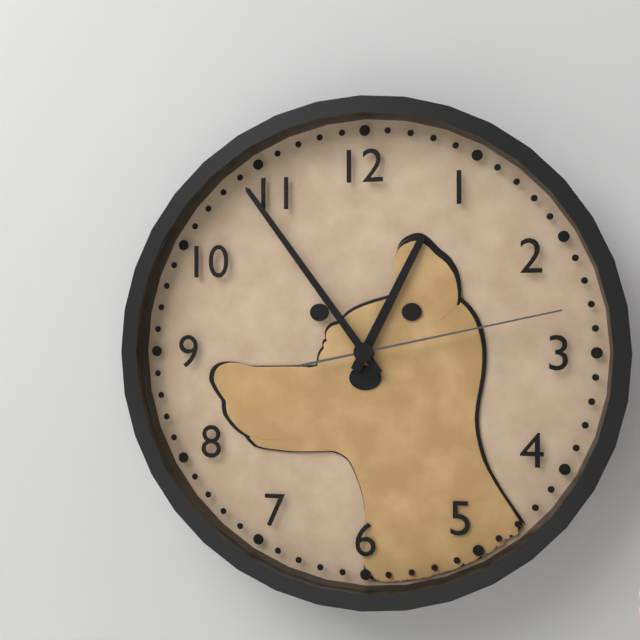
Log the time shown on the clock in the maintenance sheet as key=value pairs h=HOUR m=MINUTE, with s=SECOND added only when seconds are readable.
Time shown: h=12 m=54 s=13
